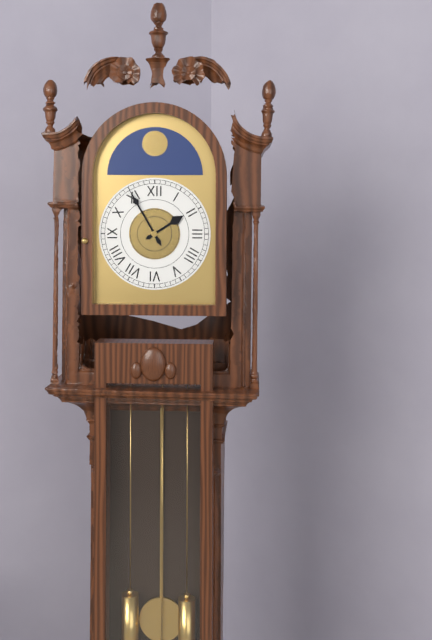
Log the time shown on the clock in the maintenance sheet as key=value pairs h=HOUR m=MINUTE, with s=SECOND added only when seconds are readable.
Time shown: h=1 m=55
